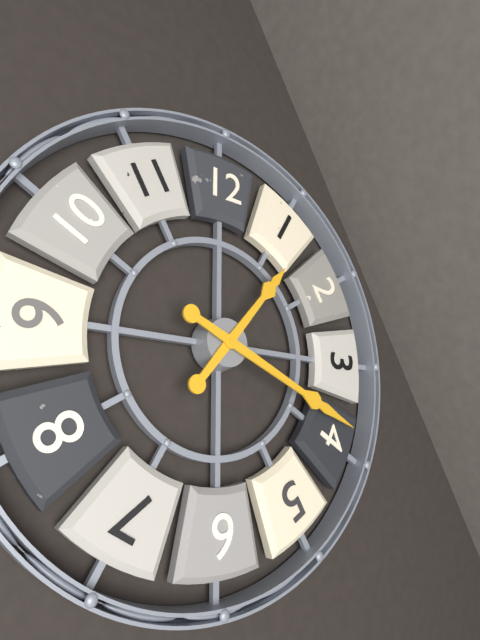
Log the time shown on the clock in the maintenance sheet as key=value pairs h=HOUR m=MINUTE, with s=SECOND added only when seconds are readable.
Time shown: h=1 m=19
